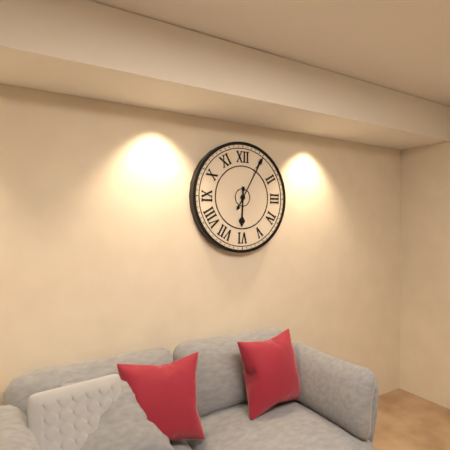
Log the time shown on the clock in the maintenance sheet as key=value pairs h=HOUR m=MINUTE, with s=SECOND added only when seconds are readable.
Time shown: h=6 m=5
